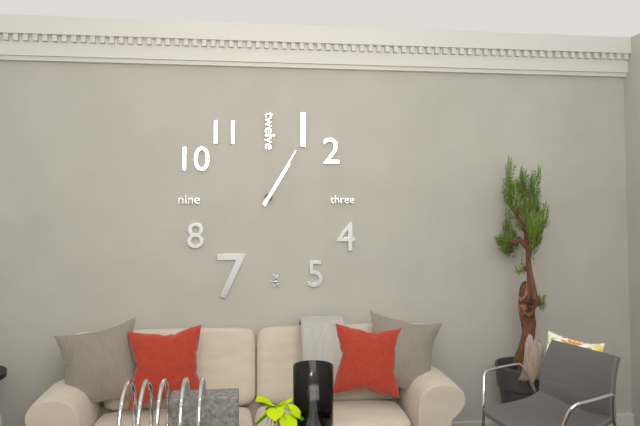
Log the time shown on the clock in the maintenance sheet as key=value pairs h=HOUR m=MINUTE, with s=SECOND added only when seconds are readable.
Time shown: h=1 m=5
